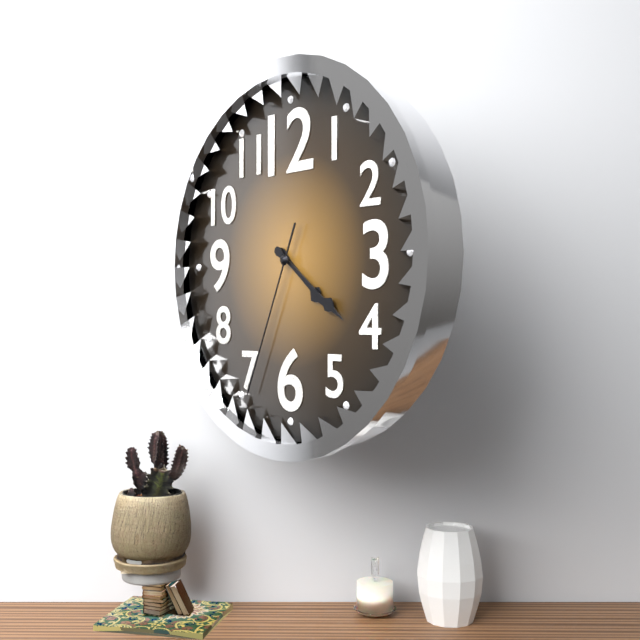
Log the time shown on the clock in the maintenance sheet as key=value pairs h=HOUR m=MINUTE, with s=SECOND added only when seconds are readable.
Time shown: h=4 m=21 s=34
